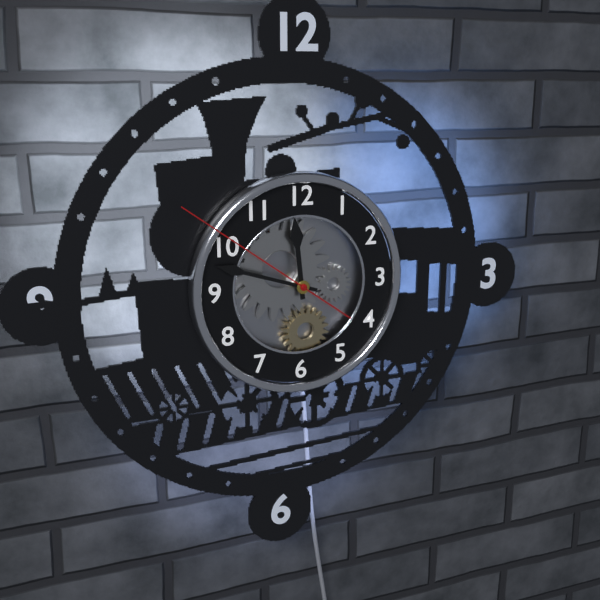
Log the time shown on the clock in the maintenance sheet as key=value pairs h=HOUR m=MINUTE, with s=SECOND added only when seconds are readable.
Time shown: h=11 m=48 s=51
